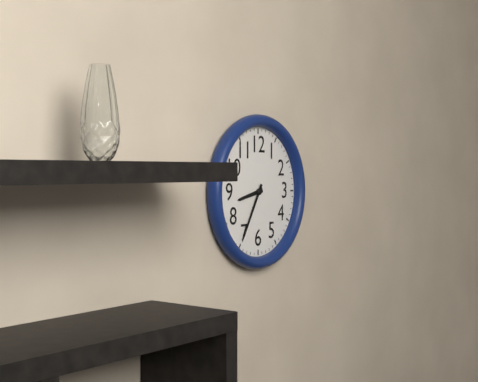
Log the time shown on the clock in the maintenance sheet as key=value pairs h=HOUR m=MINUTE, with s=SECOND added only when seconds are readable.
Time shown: h=8 m=35
